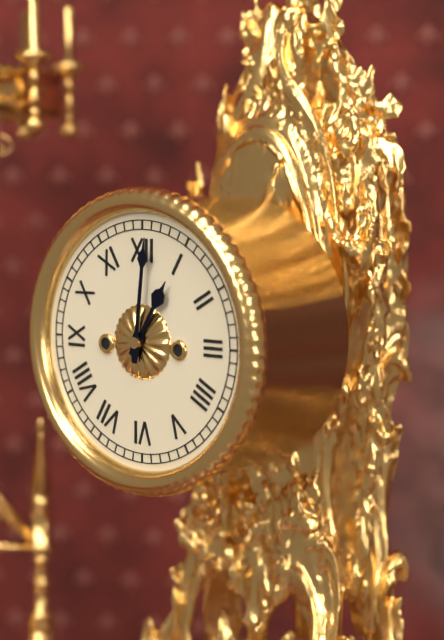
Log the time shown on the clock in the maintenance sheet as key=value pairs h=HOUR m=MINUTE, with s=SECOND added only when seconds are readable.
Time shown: h=1 m=1
